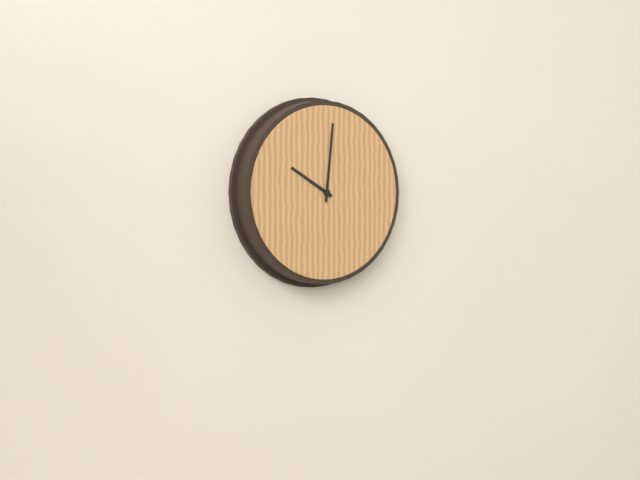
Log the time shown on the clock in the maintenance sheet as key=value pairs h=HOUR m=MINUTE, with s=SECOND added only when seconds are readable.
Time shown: h=10 m=1
